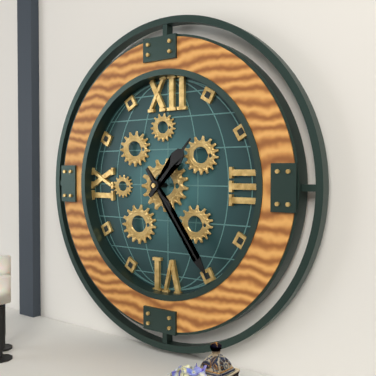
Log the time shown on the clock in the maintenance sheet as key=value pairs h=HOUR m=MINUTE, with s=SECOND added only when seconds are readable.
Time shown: h=1 m=24
